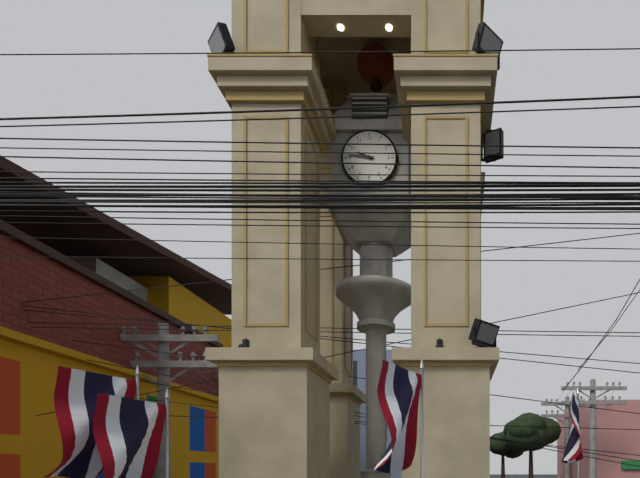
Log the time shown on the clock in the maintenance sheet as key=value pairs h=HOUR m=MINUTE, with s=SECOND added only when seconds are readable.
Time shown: h=9 m=46
